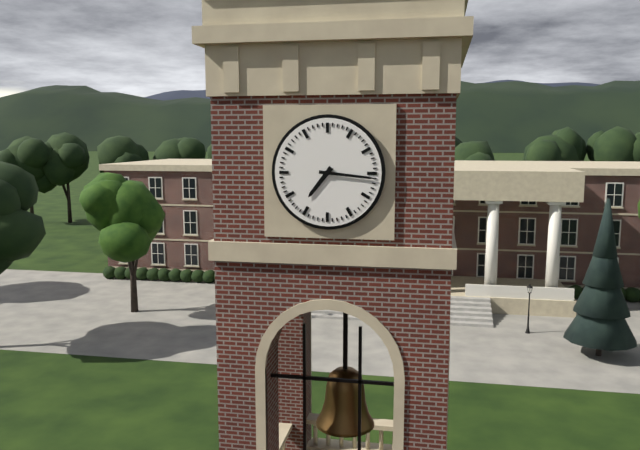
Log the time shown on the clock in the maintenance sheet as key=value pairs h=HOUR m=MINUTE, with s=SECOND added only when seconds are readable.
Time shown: h=7 m=16
